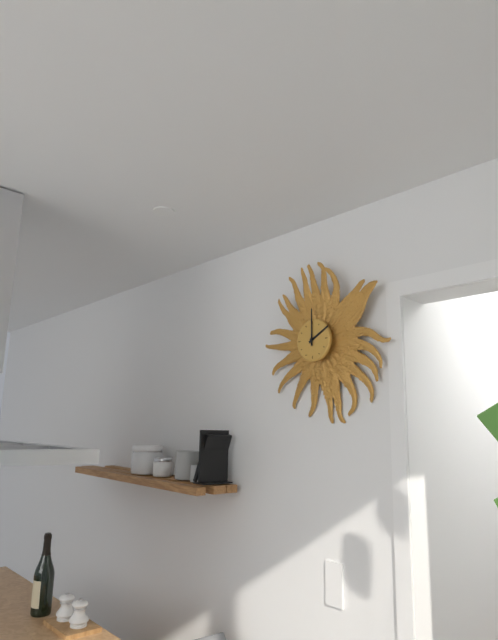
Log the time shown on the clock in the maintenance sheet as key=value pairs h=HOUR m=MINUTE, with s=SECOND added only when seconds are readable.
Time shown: h=2 m=0
